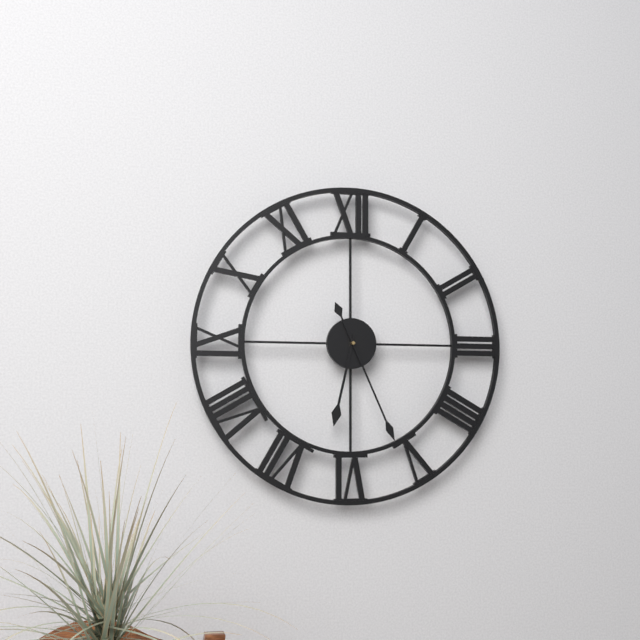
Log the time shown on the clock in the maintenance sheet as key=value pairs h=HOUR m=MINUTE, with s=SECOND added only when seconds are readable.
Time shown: h=6 m=26
